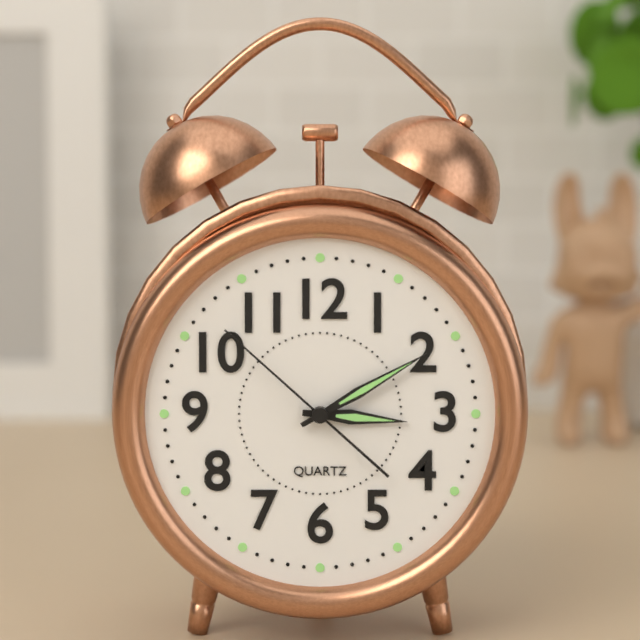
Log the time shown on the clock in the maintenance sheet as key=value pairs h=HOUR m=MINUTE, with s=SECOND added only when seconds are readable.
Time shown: h=3 m=10 s=52
